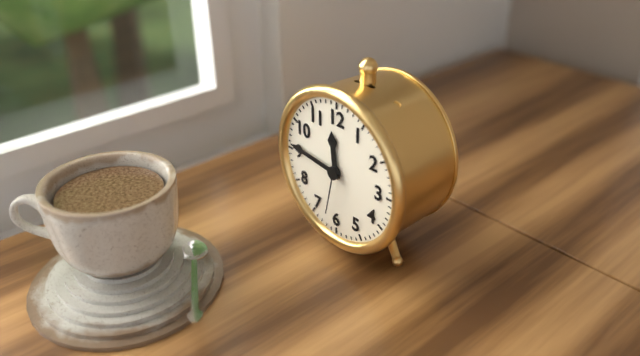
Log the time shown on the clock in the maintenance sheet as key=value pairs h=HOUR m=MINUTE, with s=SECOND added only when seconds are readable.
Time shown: h=11 m=46 s=32
